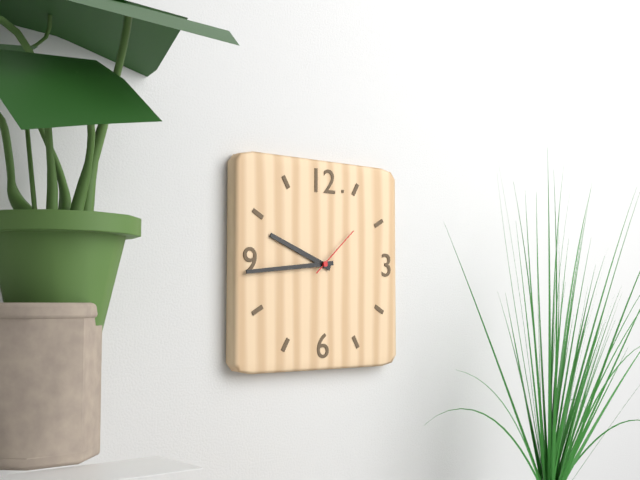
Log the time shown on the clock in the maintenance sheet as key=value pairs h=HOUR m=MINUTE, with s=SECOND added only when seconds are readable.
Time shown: h=9 m=44 s=8
